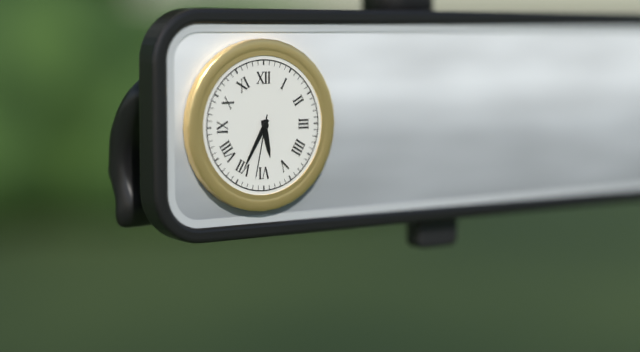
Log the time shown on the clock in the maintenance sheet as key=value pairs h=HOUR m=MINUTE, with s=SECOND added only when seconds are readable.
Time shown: h=5 m=35 s=32
